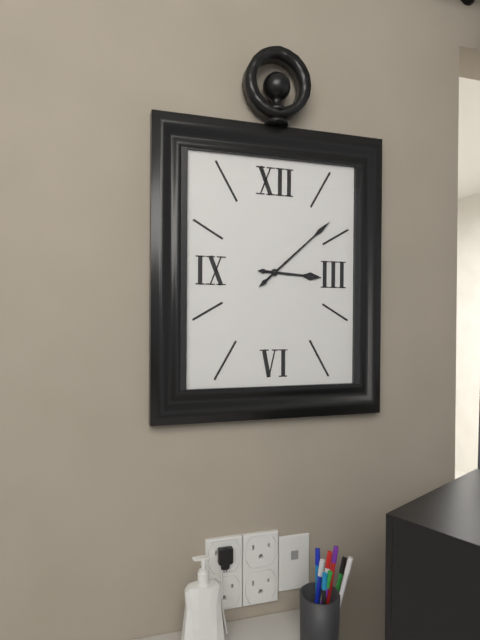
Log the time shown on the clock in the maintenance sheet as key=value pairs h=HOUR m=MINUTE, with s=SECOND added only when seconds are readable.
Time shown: h=3 m=8
